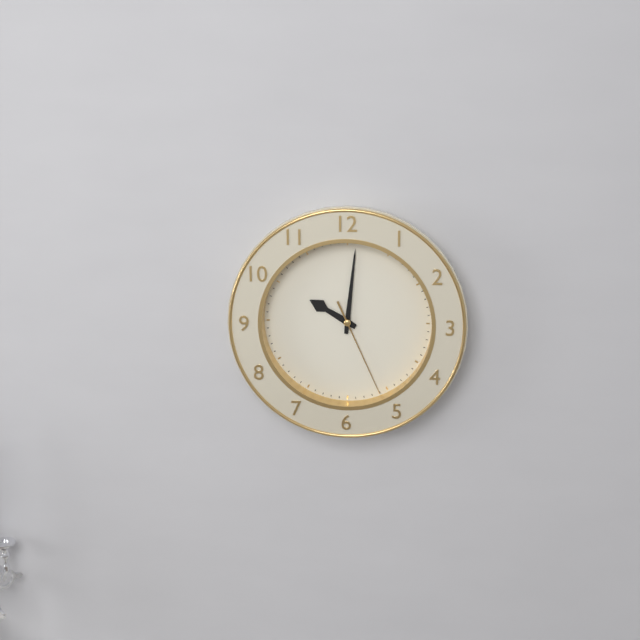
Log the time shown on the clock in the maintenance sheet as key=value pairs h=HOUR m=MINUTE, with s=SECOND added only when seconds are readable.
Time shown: h=10 m=1 s=26
